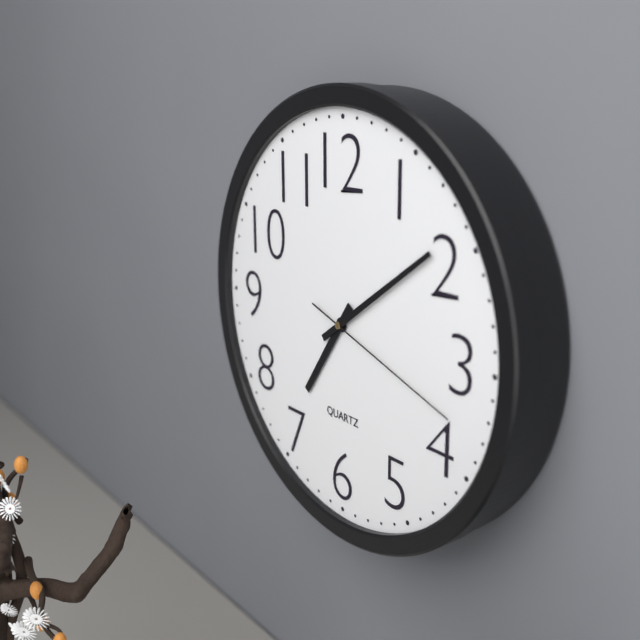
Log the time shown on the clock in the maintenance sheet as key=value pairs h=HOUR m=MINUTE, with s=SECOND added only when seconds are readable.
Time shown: h=7 m=9 s=18
